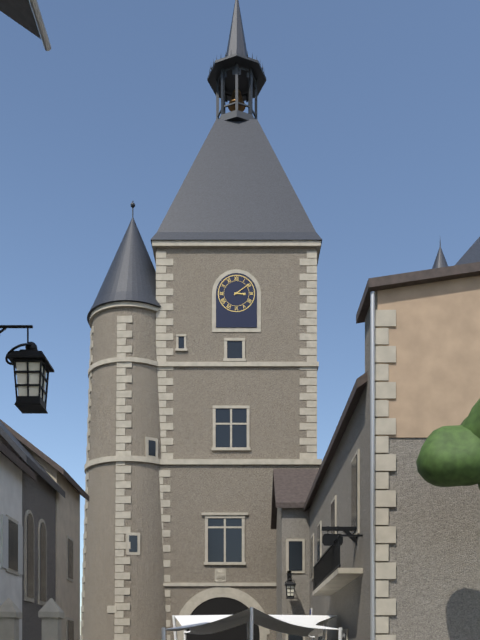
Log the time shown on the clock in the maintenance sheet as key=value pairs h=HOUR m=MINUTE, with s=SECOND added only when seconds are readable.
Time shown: h=3 m=9
